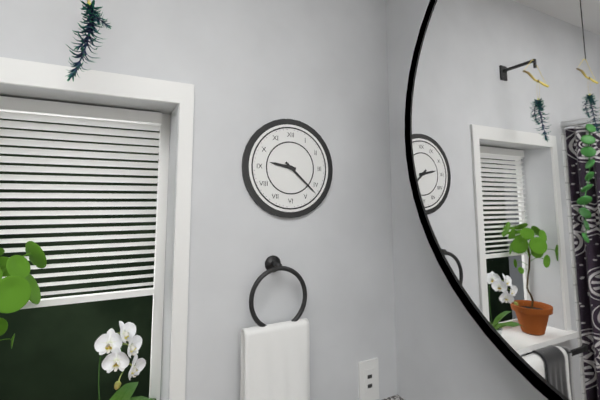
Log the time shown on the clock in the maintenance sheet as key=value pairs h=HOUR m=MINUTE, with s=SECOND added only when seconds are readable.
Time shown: h=9 m=22
